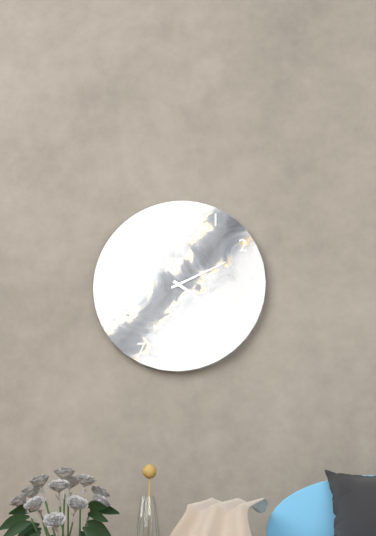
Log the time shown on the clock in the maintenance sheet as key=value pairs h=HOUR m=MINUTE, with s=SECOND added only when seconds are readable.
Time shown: h=4 m=11
